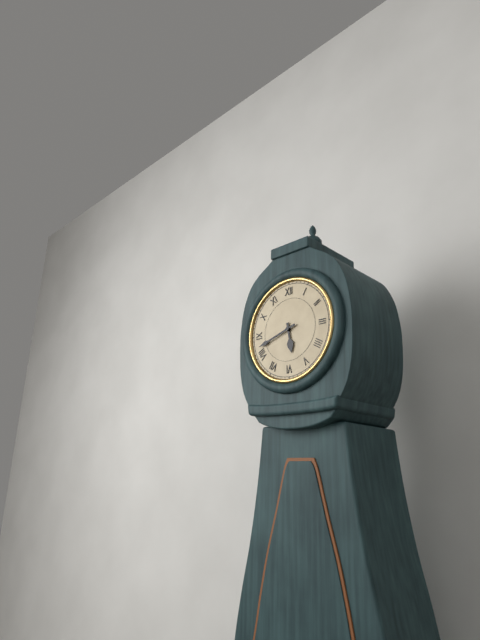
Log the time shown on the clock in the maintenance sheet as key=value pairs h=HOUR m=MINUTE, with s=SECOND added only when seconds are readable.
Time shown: h=5 m=42
